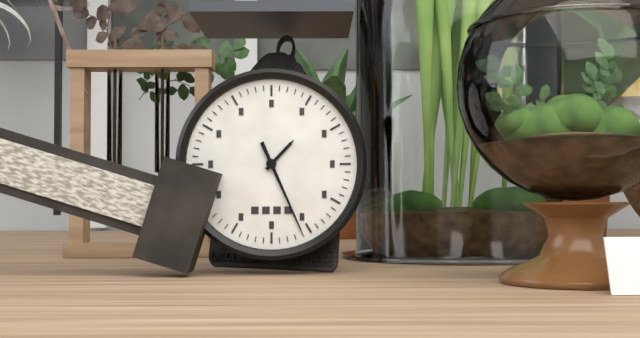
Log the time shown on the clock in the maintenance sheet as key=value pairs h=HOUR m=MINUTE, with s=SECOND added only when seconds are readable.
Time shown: h=1 m=26
